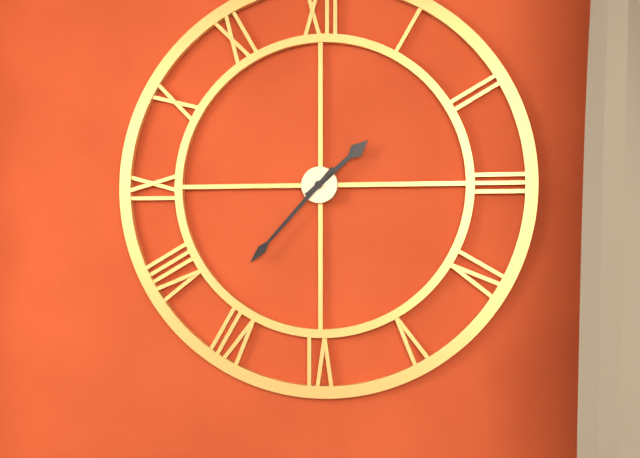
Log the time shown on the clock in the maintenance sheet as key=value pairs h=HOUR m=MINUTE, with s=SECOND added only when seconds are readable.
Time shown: h=1 m=37
